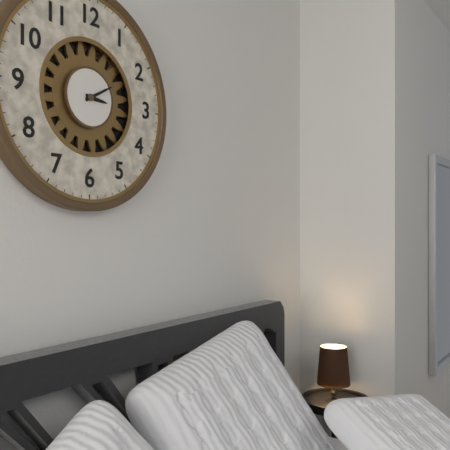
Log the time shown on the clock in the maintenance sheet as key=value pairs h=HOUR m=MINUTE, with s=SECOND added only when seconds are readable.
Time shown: h=3 m=10
